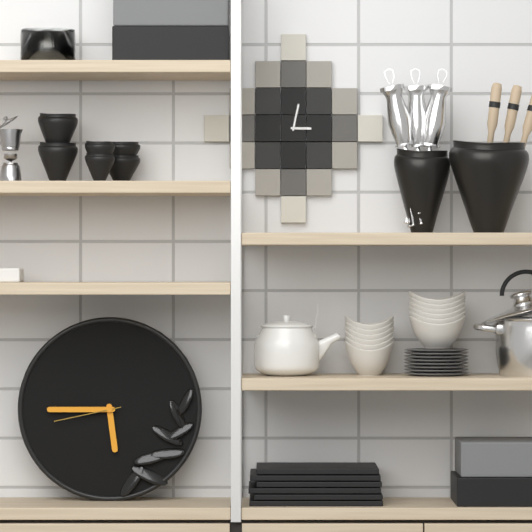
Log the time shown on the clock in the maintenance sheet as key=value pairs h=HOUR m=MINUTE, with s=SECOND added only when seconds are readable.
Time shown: h=5 m=45 s=43
